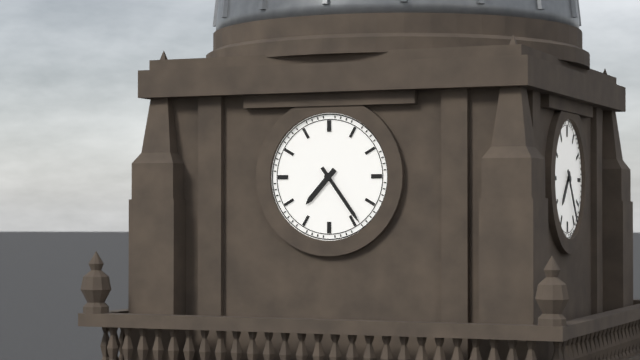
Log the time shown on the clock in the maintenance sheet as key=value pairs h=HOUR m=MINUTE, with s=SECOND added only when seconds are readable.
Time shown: h=7 m=24
